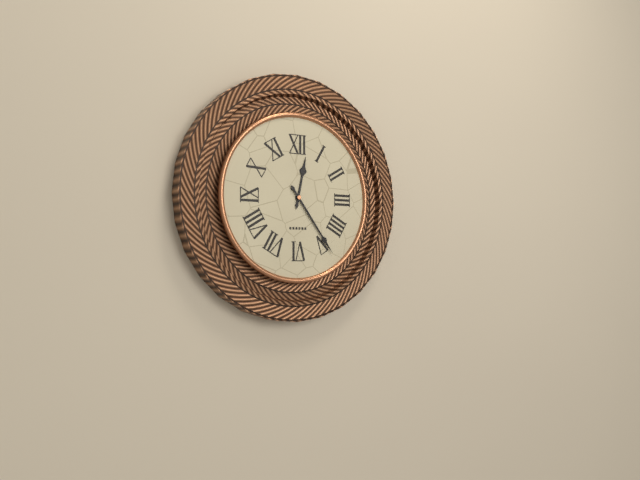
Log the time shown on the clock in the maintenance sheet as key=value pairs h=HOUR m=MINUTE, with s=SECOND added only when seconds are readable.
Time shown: h=12 m=24
